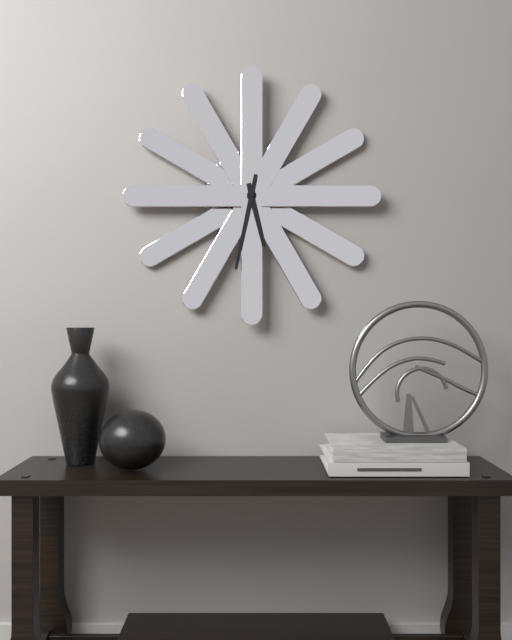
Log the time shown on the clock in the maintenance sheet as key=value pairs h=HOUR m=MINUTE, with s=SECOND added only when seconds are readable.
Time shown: h=5 m=32
